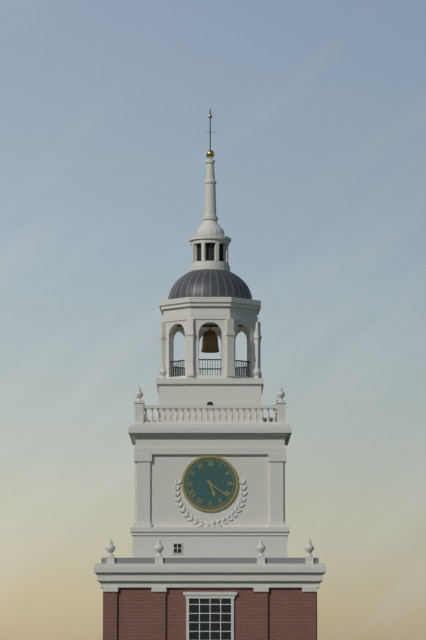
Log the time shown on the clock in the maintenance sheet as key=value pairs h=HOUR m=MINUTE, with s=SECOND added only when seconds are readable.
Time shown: h=5 m=21
